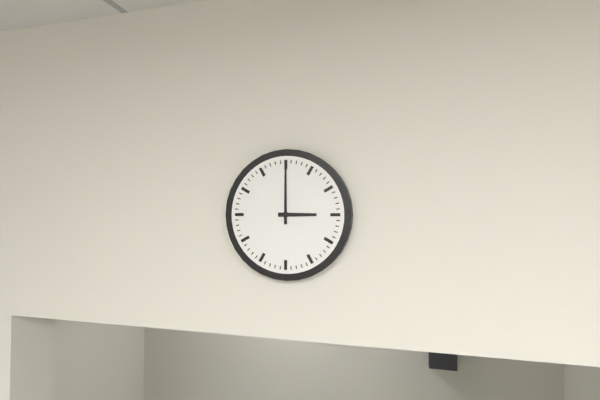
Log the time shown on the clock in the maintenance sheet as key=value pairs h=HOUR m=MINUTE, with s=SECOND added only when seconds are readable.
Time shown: h=3 m=0
